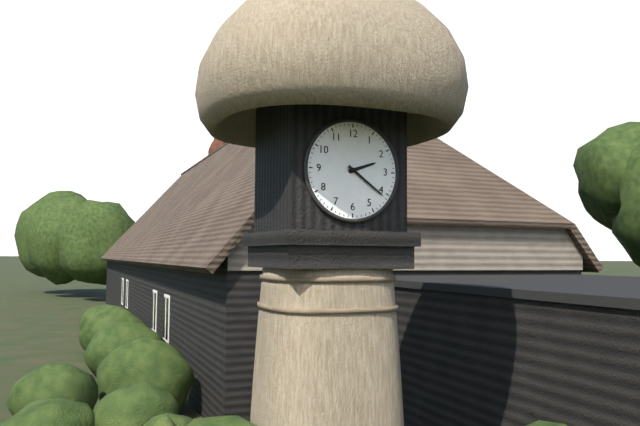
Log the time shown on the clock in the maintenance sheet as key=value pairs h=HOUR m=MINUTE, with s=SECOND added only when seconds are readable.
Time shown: h=2 m=21
